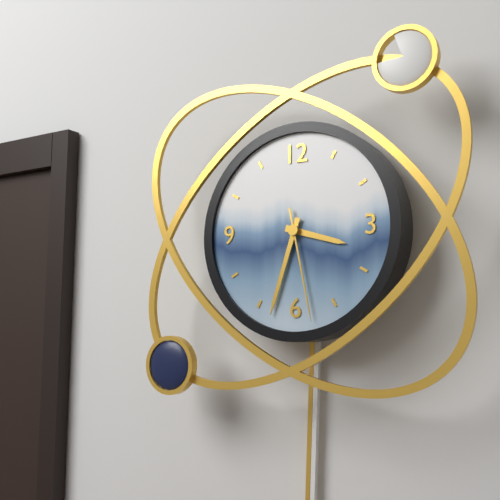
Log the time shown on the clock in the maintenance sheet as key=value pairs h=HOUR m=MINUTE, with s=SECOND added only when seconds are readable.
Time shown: h=3 m=33 s=28
